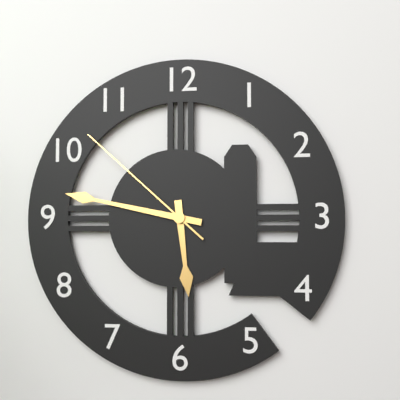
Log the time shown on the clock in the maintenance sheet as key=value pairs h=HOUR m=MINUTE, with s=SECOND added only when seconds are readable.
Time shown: h=5 m=47 s=52
